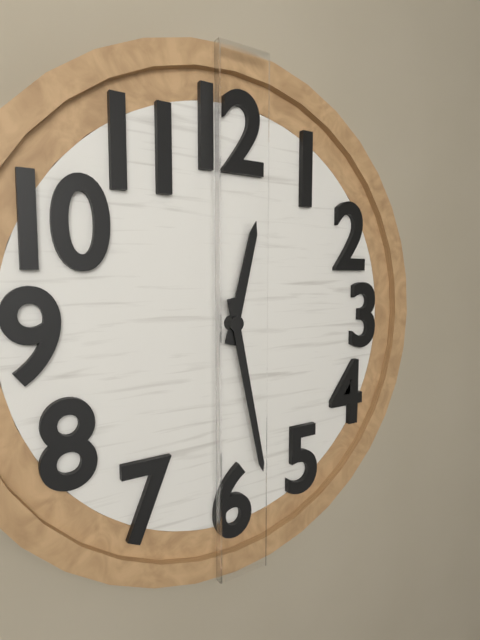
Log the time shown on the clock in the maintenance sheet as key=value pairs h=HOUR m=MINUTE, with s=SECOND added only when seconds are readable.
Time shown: h=12 m=28
